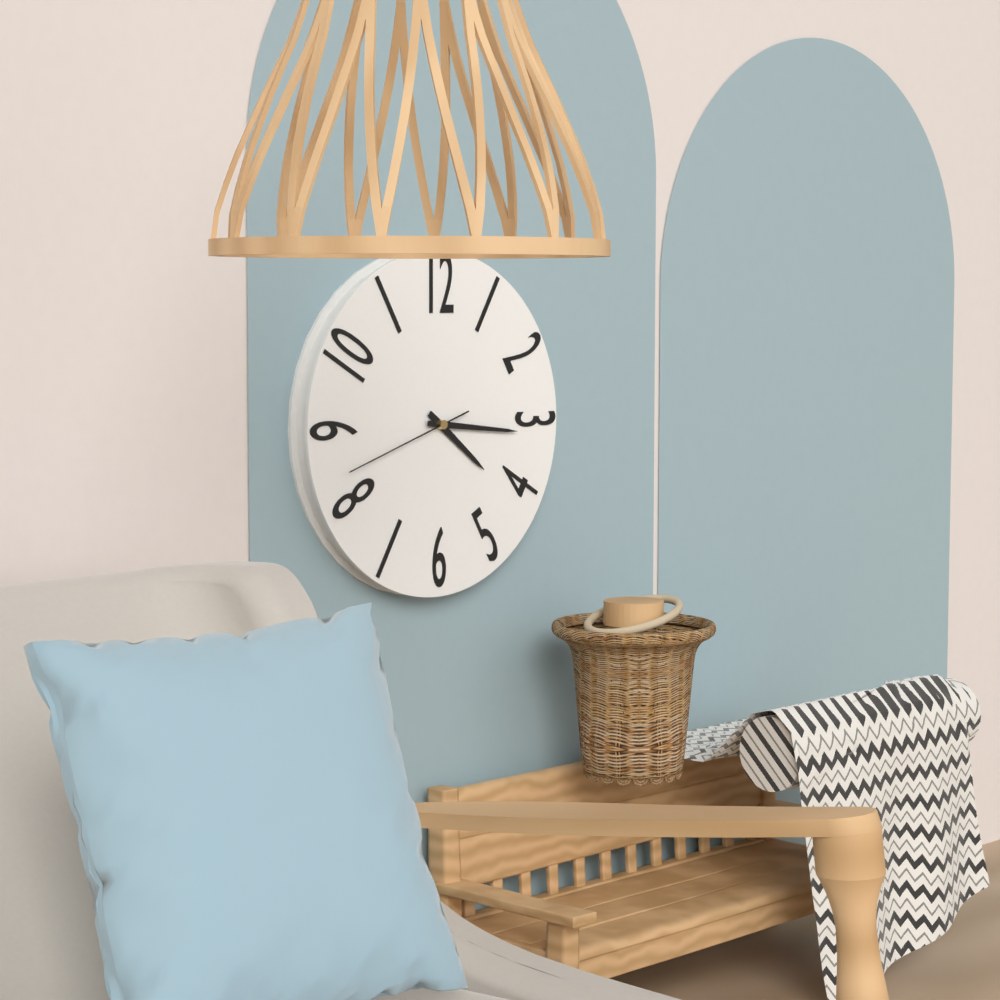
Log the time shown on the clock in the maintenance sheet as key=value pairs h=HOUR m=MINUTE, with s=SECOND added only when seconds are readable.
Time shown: h=4 m=16 s=42
